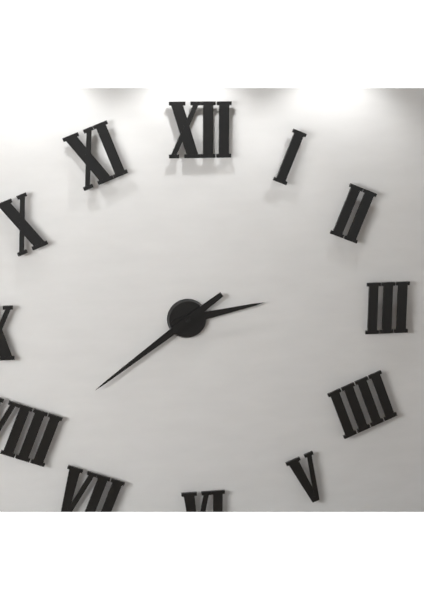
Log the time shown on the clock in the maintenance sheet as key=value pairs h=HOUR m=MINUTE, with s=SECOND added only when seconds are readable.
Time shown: h=2 m=39
